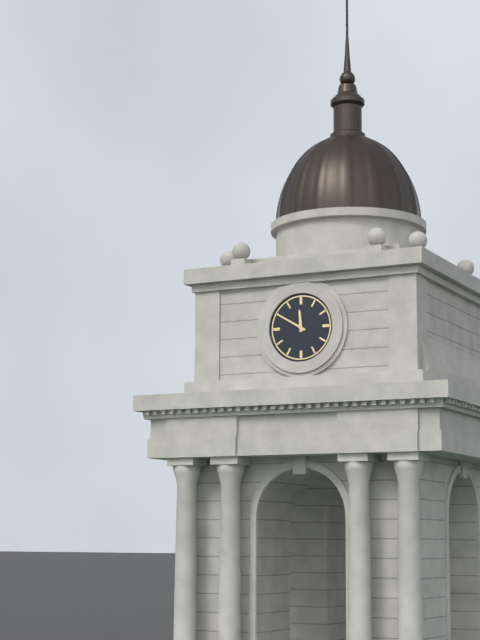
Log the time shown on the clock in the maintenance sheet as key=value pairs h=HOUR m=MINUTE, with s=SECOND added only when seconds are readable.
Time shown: h=11 m=50
